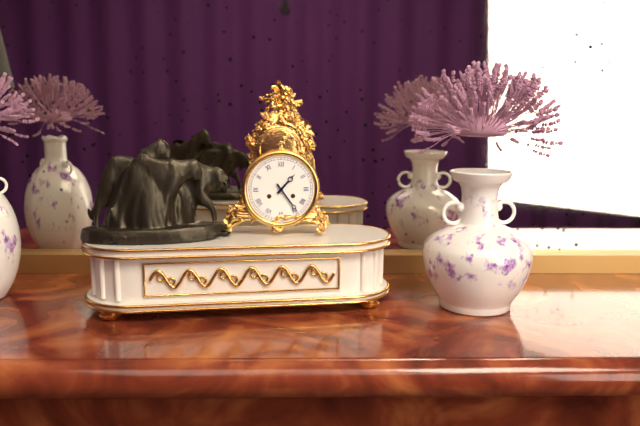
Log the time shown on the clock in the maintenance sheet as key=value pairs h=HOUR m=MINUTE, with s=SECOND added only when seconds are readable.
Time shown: h=1 m=24
